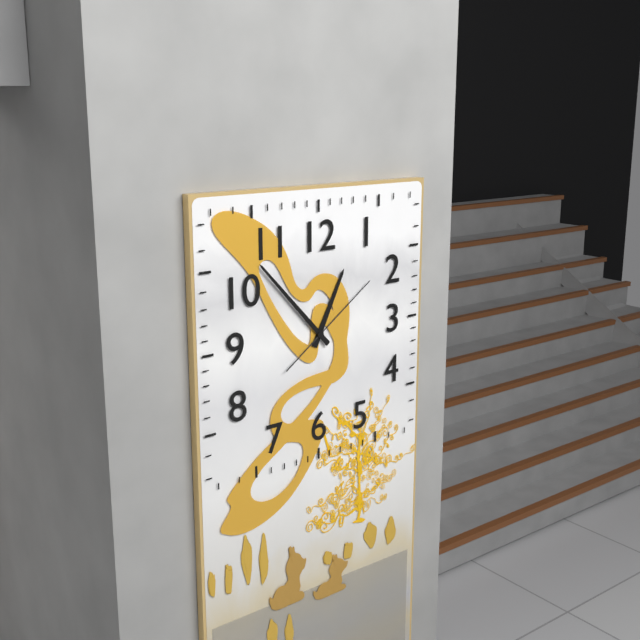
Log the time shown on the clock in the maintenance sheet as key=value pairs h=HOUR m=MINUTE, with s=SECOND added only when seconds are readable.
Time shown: h=12 m=53 s=9
